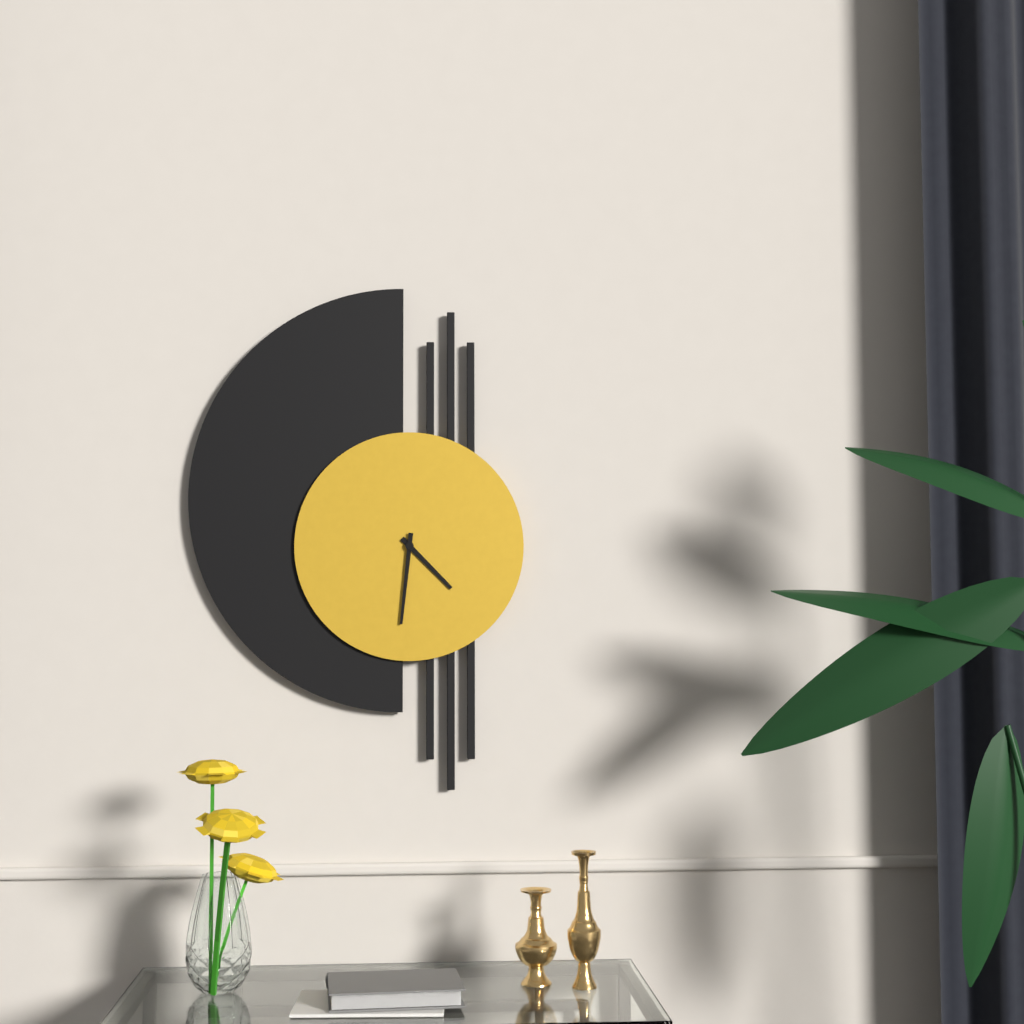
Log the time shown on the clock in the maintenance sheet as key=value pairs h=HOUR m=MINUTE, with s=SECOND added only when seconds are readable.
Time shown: h=4 m=31
